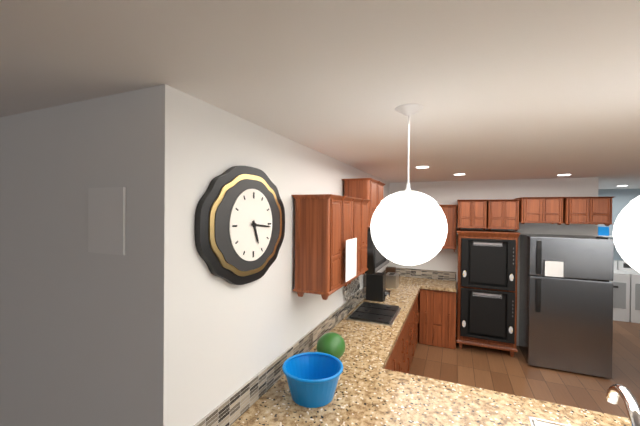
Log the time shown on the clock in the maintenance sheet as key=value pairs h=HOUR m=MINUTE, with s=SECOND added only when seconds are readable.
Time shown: h=5 m=16
